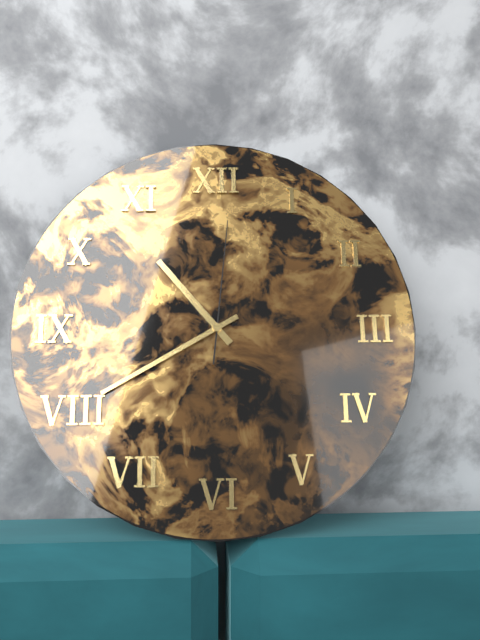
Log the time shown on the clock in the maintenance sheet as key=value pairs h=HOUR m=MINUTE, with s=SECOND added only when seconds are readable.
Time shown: h=10 m=40 s=1
